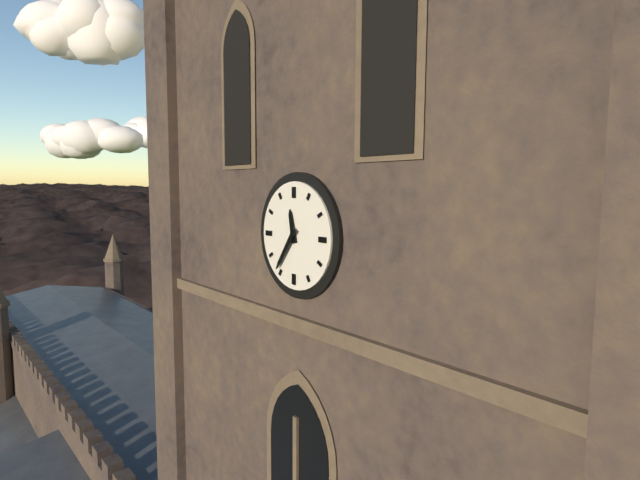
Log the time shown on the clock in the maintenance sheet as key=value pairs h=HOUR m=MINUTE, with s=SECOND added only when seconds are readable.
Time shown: h=11 m=36
